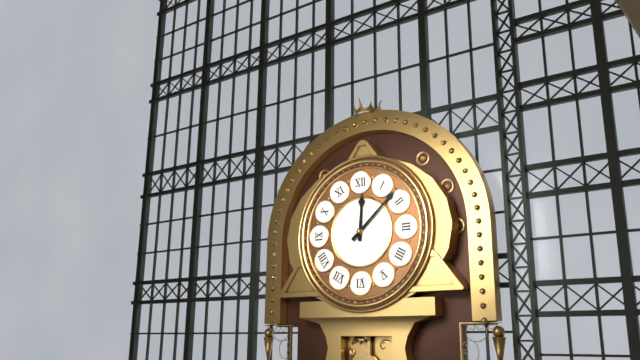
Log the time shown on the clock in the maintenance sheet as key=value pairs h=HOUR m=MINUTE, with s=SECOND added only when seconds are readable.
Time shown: h=12 m=8
